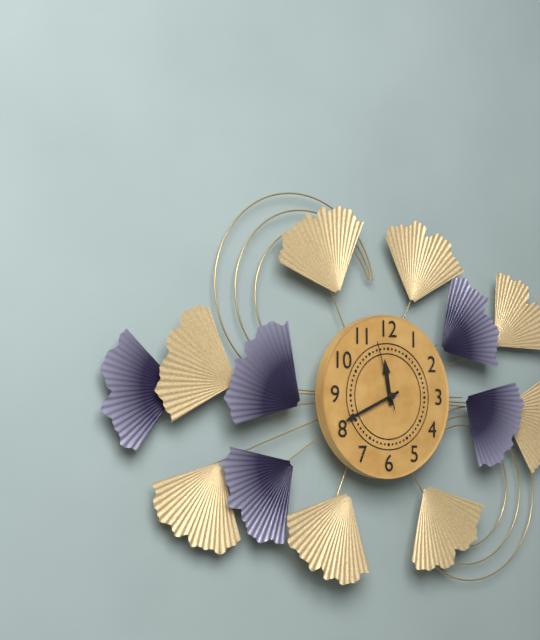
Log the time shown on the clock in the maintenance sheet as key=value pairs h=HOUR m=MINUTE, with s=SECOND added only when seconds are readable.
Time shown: h=11 m=41 s=57
